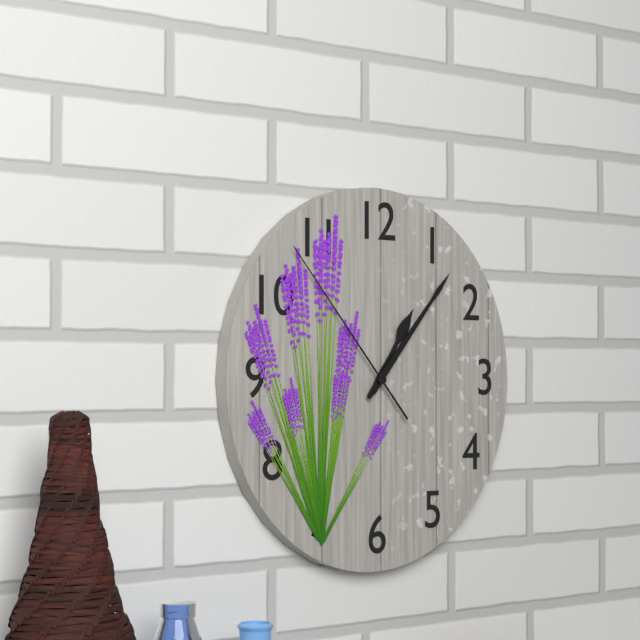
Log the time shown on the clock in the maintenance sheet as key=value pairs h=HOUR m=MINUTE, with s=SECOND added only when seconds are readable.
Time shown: h=1 m=7 s=53
